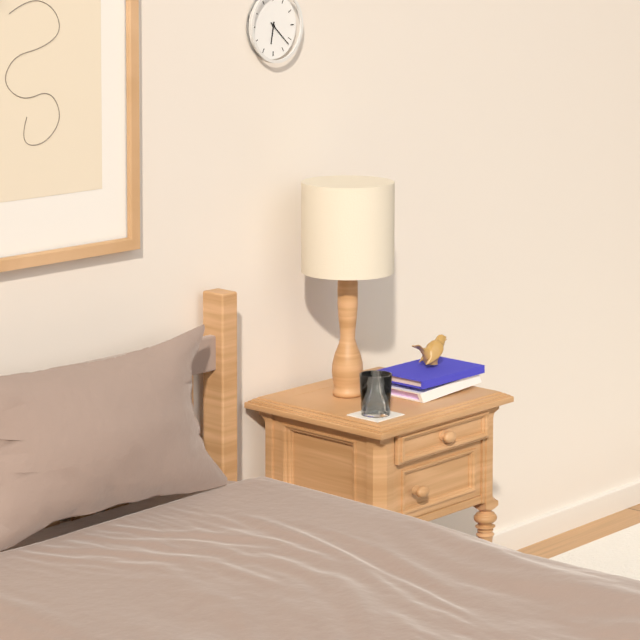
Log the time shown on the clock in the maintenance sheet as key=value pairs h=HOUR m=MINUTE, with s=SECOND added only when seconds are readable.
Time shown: h=6 m=22
